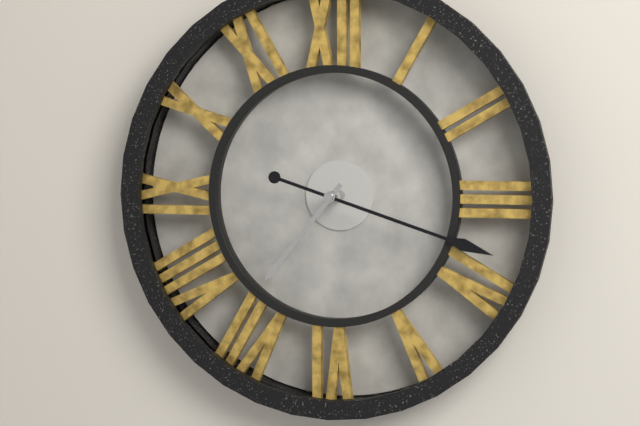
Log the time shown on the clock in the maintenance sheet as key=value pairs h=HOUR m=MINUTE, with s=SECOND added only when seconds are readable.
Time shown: h=7 m=18
